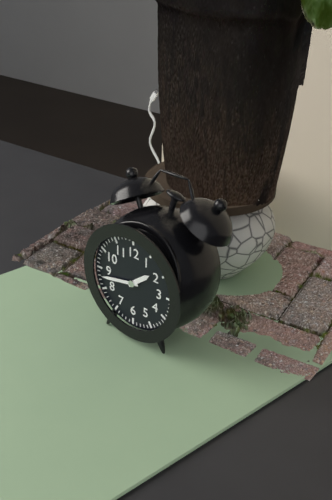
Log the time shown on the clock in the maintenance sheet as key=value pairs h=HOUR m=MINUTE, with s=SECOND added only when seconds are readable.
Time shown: h=1 m=43
